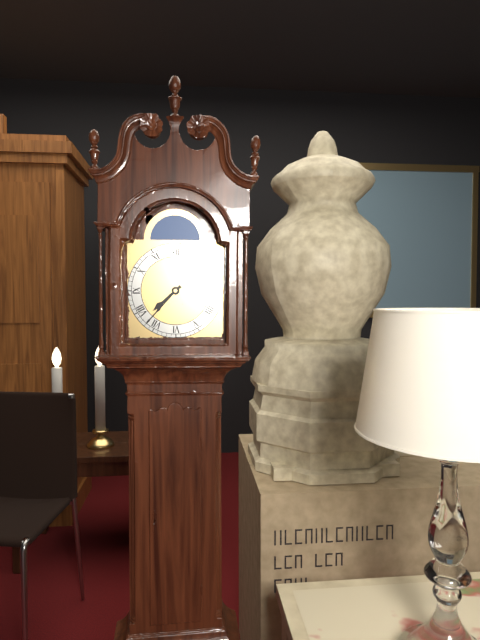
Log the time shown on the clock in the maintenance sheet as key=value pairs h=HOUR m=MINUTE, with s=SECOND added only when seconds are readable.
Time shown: h=7 m=37
